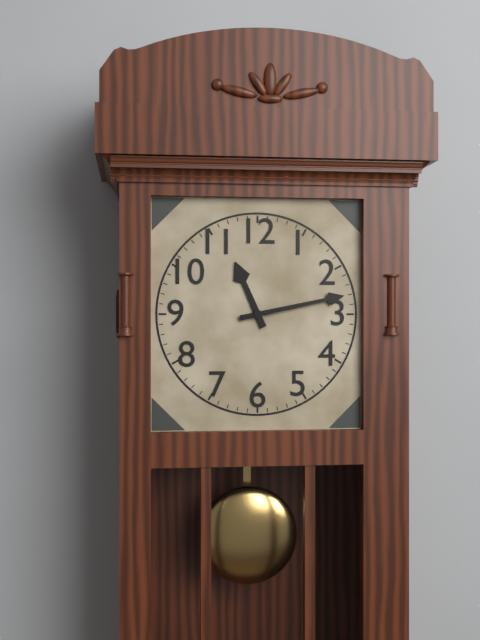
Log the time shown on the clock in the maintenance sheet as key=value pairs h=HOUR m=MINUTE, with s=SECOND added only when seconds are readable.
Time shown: h=11 m=13
